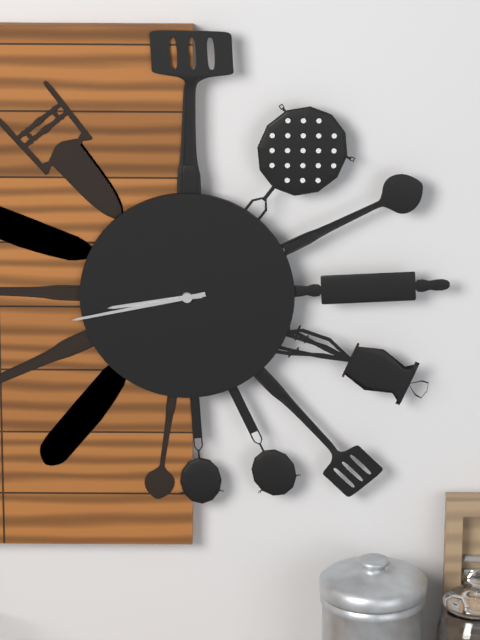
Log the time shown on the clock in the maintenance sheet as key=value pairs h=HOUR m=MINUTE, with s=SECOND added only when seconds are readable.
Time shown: h=8 m=43
